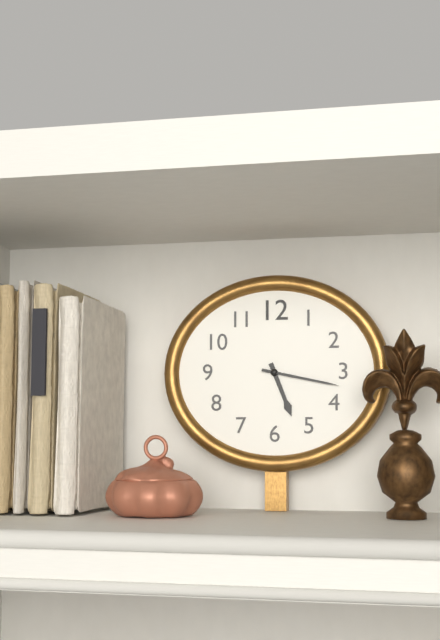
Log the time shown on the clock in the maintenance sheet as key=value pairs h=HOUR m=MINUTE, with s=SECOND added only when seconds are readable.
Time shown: h=5 m=17
